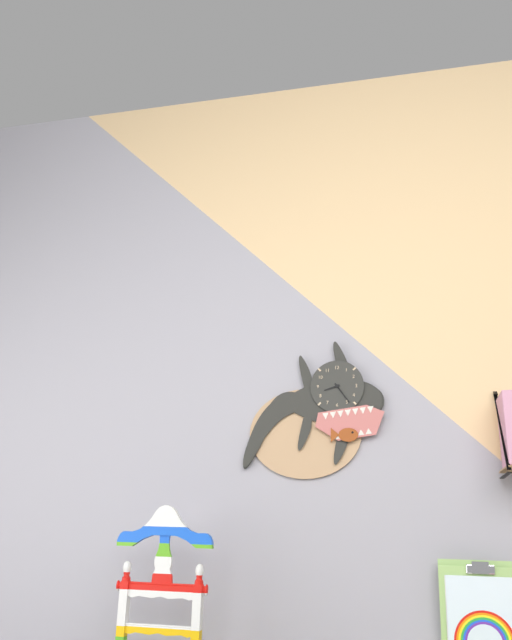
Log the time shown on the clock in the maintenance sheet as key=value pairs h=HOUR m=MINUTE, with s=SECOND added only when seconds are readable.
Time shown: h=8 m=24
